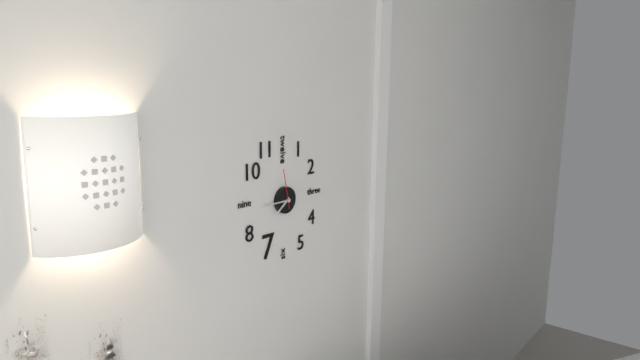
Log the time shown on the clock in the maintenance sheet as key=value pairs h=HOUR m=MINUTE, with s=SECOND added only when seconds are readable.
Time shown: h=7 m=45
